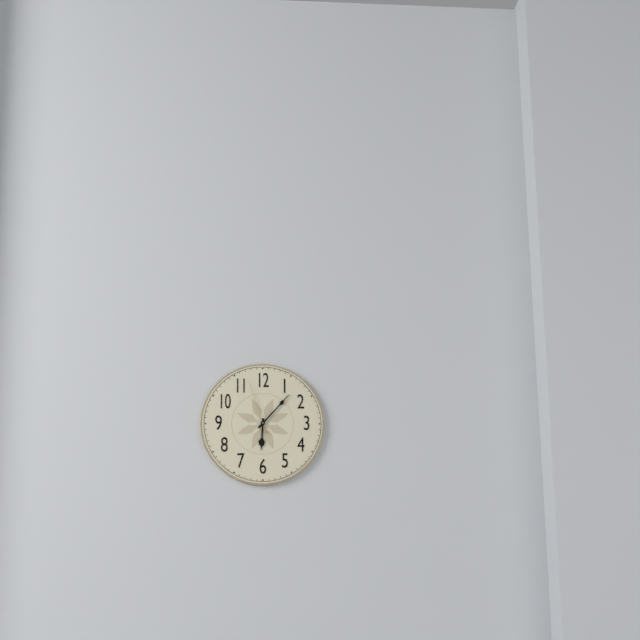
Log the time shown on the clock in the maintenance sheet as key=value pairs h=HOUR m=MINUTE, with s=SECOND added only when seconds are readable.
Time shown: h=6 m=7 s=57
